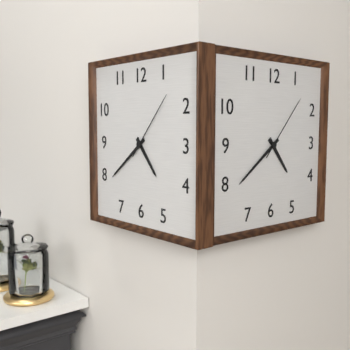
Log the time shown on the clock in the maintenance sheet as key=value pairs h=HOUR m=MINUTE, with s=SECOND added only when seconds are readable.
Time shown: h=4 m=39 s=7
